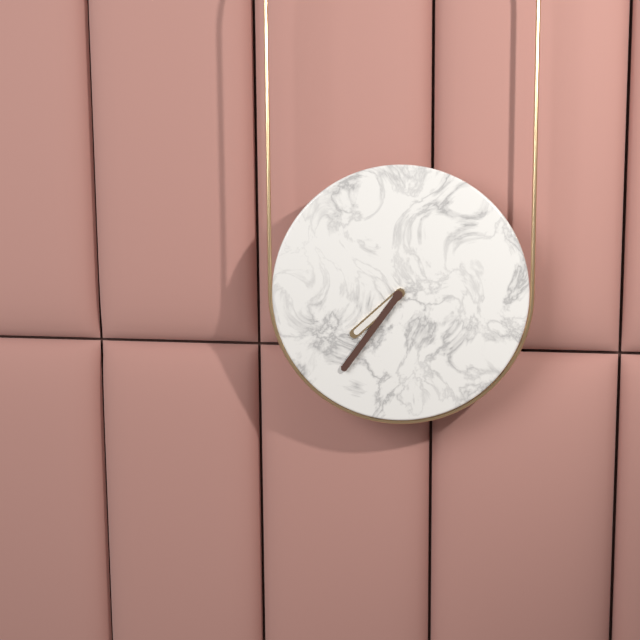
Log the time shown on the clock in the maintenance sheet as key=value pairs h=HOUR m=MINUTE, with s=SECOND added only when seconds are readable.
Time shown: h=7 m=36
